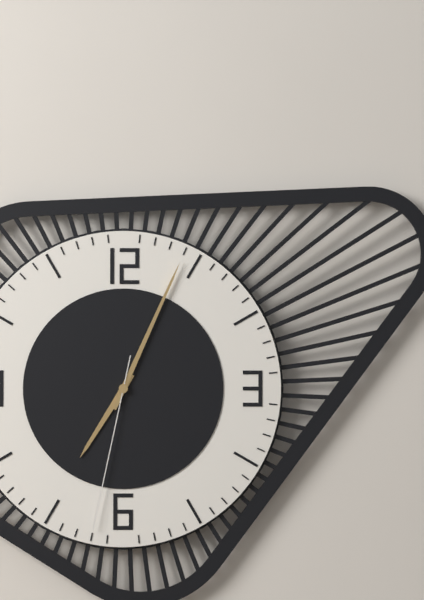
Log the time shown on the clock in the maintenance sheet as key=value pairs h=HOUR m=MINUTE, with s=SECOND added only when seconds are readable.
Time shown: h=7 m=4 s=32
